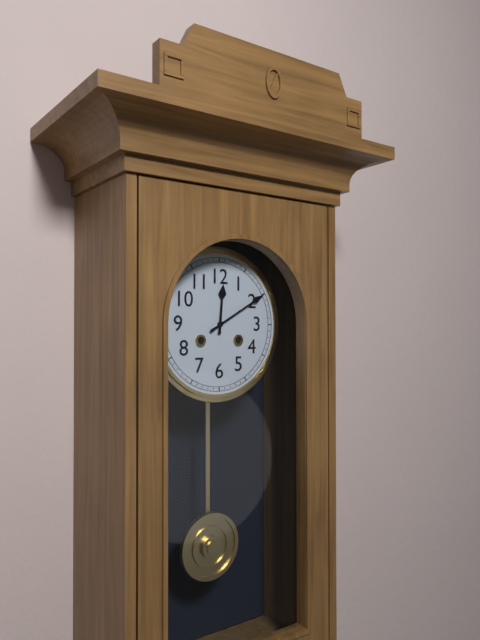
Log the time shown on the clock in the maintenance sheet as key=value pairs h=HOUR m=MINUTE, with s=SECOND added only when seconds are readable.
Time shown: h=12 m=10
